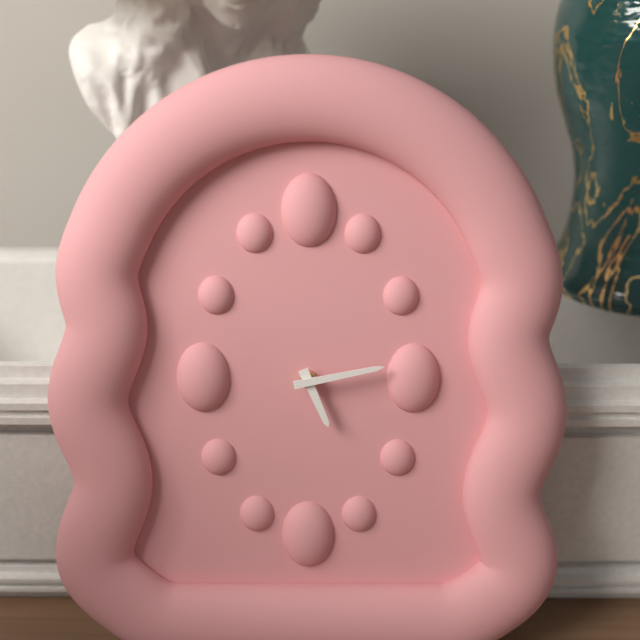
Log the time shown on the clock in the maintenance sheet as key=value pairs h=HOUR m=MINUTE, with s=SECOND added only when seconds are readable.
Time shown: h=5 m=13
